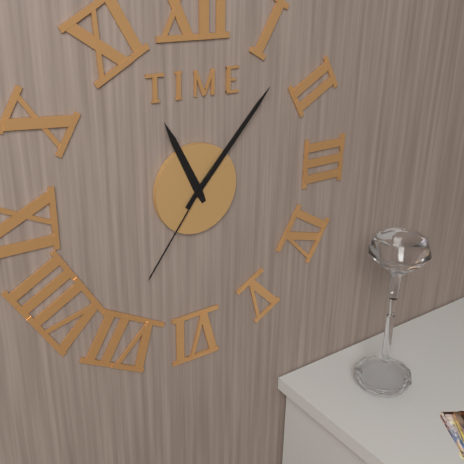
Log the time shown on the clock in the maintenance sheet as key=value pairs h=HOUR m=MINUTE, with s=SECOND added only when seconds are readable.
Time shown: h=11 m=7 s=36
